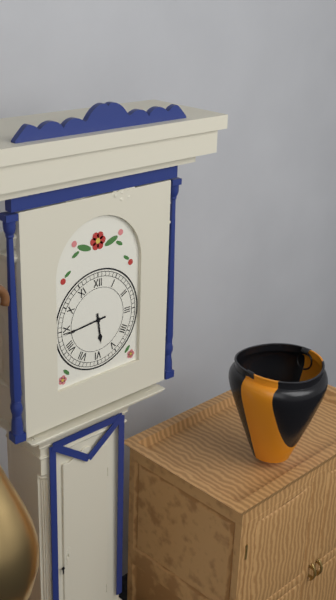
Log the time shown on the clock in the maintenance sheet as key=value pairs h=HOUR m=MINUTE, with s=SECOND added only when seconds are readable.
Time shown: h=5 m=44
